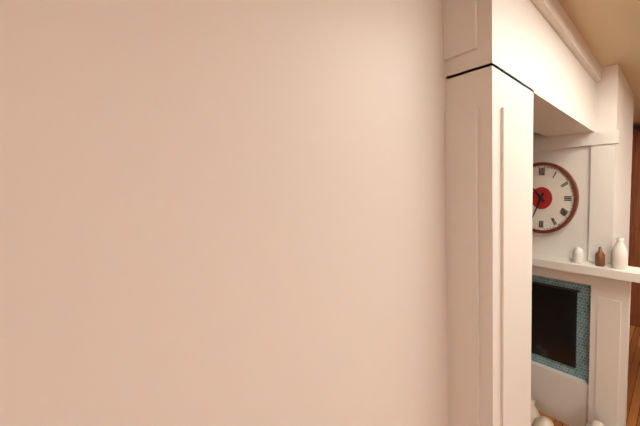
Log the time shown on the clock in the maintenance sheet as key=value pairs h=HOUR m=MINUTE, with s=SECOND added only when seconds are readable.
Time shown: h=10 m=34
